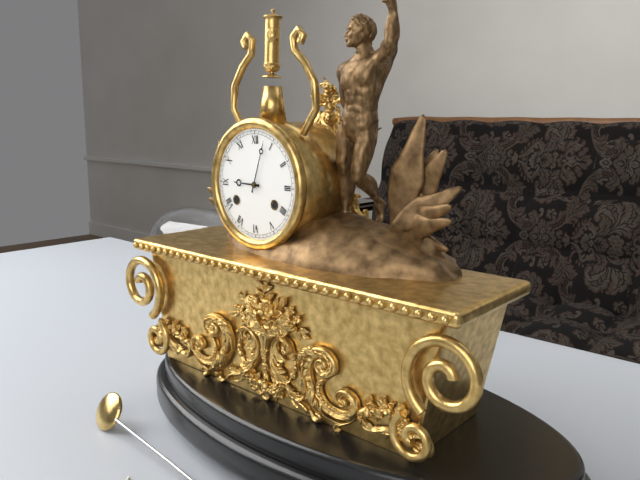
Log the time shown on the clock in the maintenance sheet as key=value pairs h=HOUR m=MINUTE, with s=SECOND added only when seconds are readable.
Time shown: h=9 m=3
